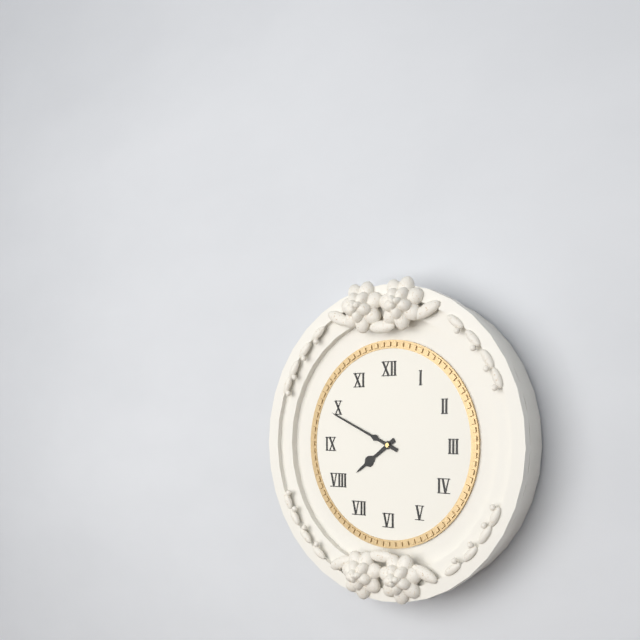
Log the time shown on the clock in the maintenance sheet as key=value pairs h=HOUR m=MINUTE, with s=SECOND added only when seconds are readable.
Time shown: h=7 m=49
